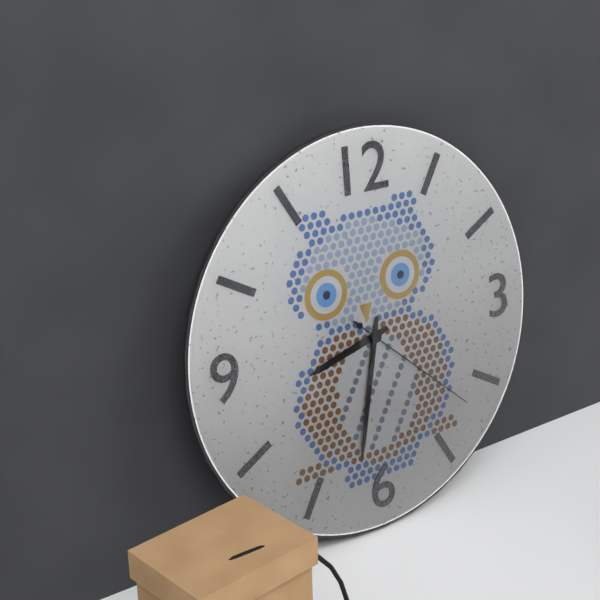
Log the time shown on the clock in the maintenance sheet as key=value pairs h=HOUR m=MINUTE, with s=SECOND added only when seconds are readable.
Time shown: h=8 m=32 s=22
